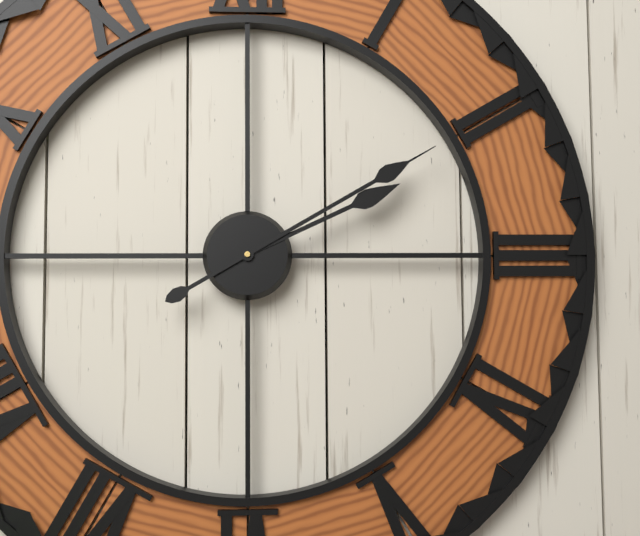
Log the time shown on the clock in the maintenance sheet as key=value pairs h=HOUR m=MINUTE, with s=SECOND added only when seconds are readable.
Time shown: h=2 m=10
